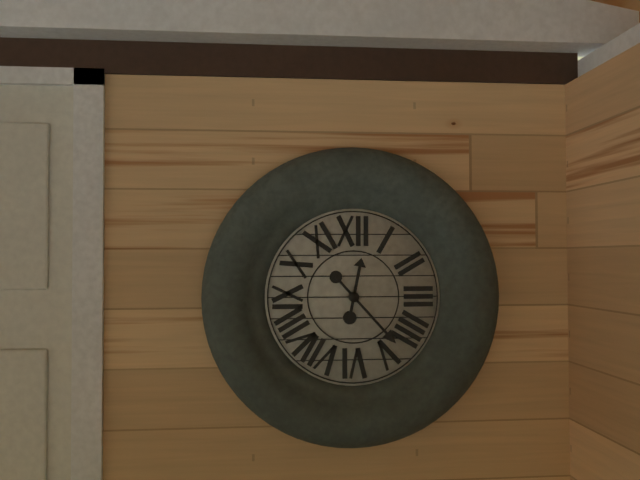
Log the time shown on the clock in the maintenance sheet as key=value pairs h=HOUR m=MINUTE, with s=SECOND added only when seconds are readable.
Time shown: h=12 m=23
